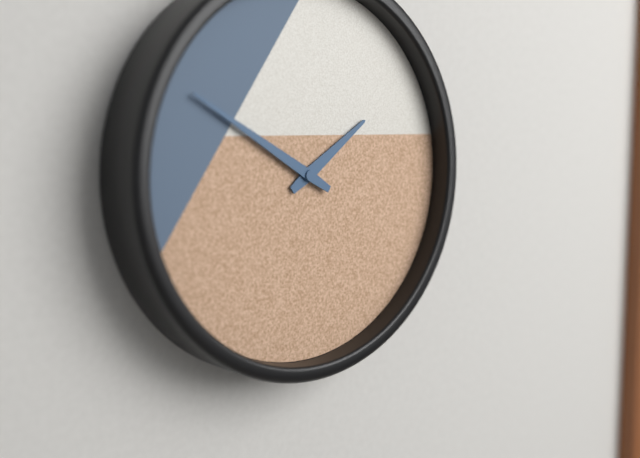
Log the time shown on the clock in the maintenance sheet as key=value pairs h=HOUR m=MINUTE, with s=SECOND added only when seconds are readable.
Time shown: h=1 m=50
